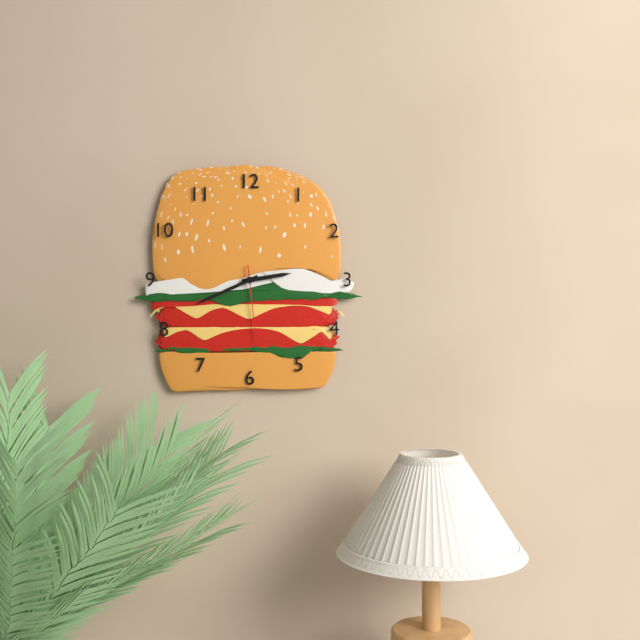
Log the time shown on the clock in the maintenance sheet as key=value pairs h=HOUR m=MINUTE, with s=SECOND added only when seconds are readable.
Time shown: h=2 m=41 s=29
